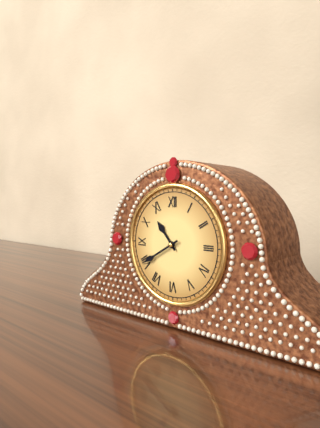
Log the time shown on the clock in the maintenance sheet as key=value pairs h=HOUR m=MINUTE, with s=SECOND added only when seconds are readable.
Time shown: h=10 m=40
